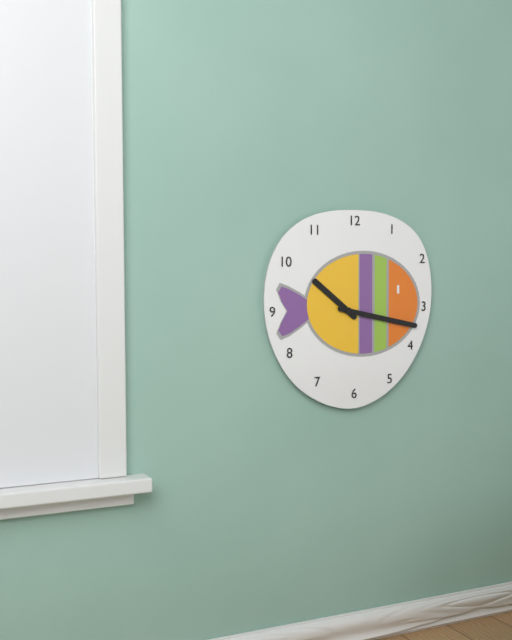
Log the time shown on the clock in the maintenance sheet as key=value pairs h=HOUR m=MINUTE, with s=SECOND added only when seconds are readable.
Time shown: h=10 m=17
